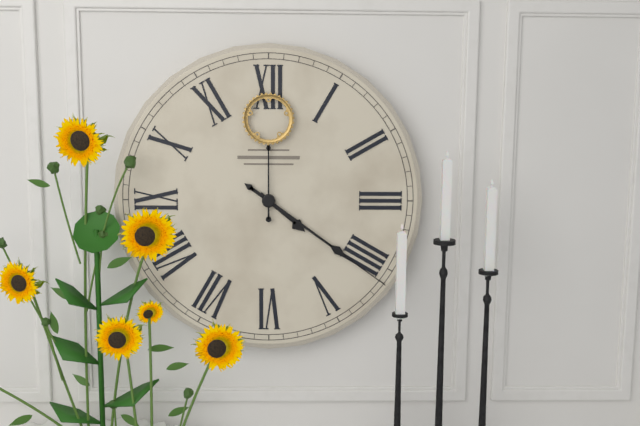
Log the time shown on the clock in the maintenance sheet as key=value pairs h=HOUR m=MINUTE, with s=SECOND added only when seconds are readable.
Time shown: h=4 m=21 s=0
